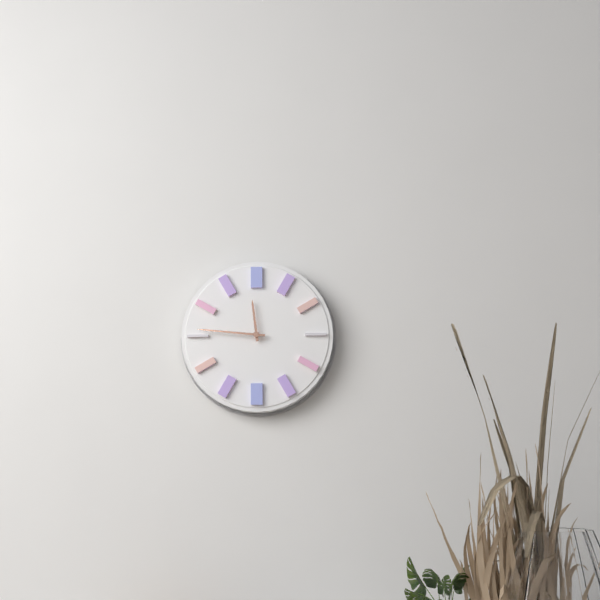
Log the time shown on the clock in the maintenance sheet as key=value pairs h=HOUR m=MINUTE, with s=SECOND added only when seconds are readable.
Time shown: h=11 m=46
